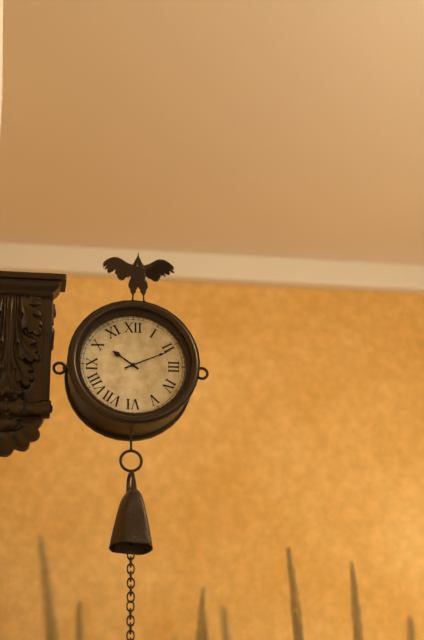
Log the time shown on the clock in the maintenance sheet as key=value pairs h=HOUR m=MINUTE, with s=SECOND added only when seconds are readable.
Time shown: h=10 m=11
